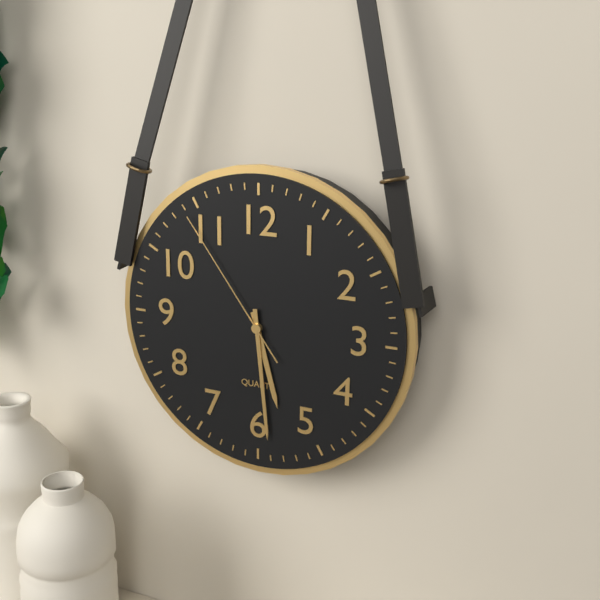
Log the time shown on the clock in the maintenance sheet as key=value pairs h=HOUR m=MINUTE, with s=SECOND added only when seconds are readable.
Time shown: h=5 m=29 s=54
